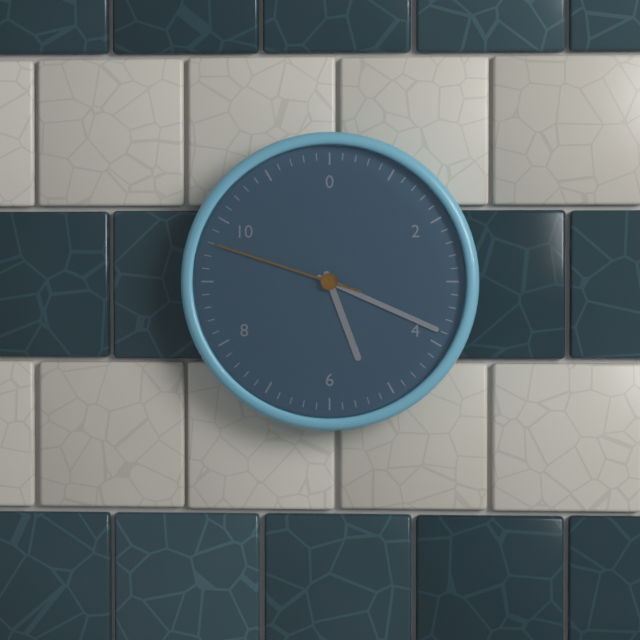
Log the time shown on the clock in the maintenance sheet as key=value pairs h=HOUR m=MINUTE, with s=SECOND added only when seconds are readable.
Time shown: h=5 m=19 s=48
